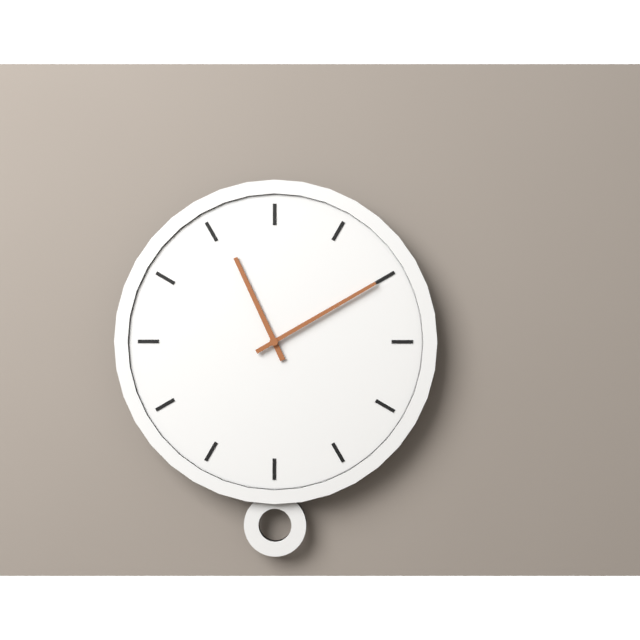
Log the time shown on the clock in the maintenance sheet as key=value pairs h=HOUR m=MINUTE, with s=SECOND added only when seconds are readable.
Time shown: h=11 m=10
